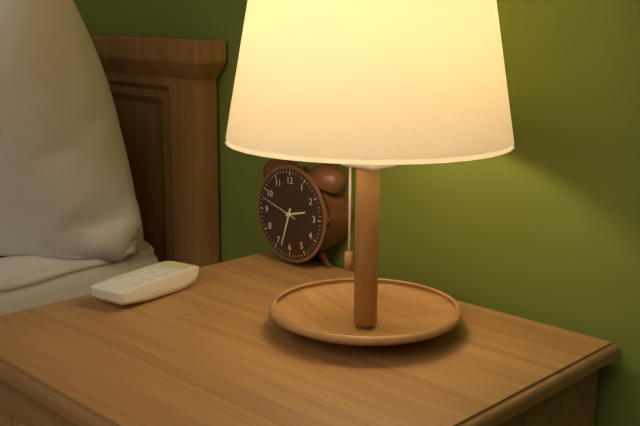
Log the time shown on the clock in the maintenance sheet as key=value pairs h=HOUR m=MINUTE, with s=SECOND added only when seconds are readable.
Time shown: h=2 m=33
